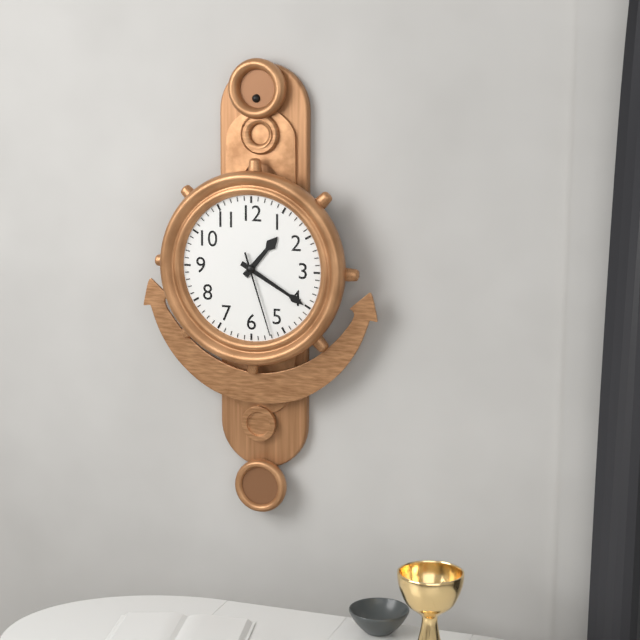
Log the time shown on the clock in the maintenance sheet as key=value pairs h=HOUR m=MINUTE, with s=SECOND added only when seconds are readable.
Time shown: h=1 m=20 s=27
